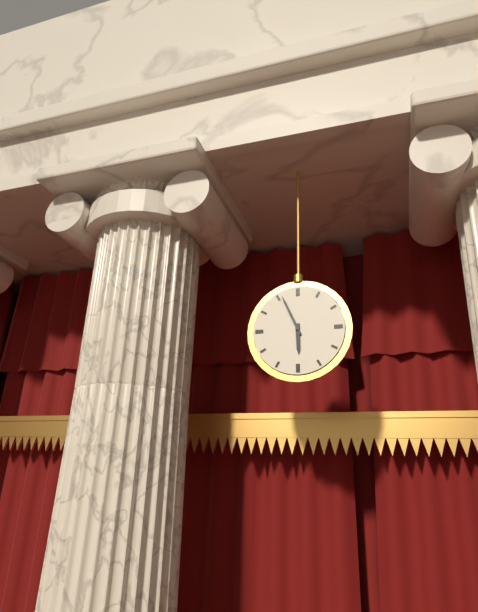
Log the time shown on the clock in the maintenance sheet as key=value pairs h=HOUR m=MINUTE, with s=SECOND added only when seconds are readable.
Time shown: h=5 m=56
